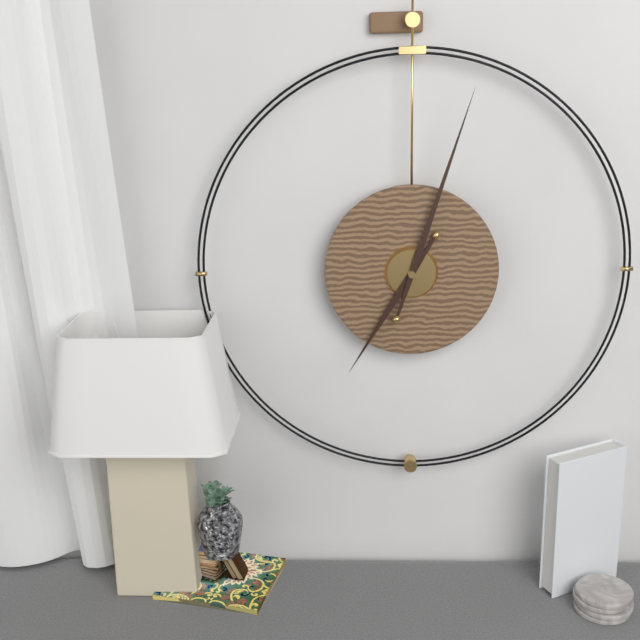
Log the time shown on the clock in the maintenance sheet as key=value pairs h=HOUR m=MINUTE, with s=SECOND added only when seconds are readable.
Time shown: h=7 m=3
